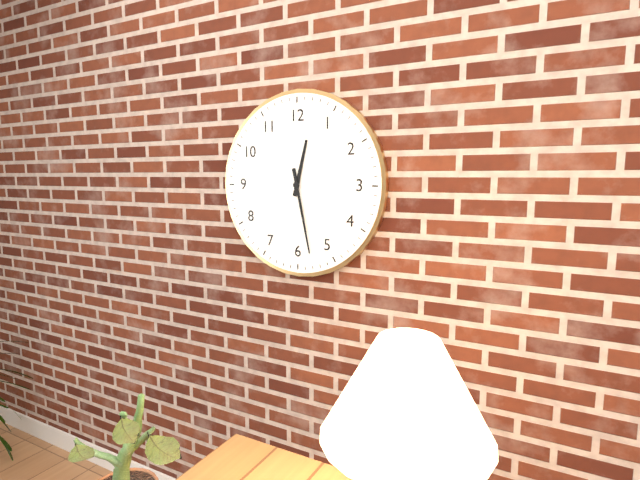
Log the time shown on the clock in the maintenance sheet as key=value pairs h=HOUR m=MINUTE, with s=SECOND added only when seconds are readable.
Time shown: h=12 m=28
